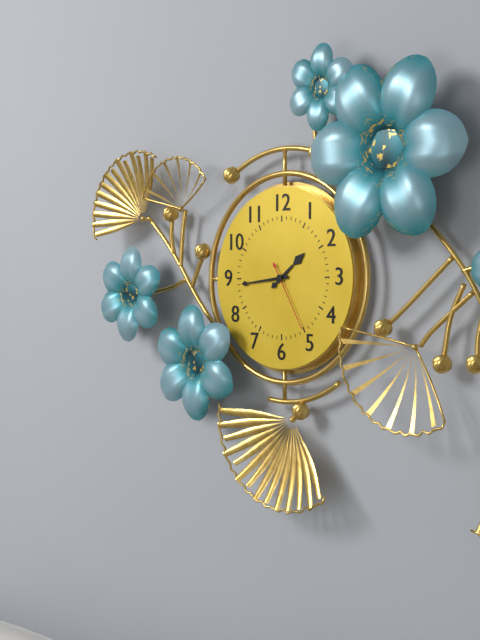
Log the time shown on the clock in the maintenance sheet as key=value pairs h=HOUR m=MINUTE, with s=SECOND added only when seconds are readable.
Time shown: h=1 m=44 s=25
